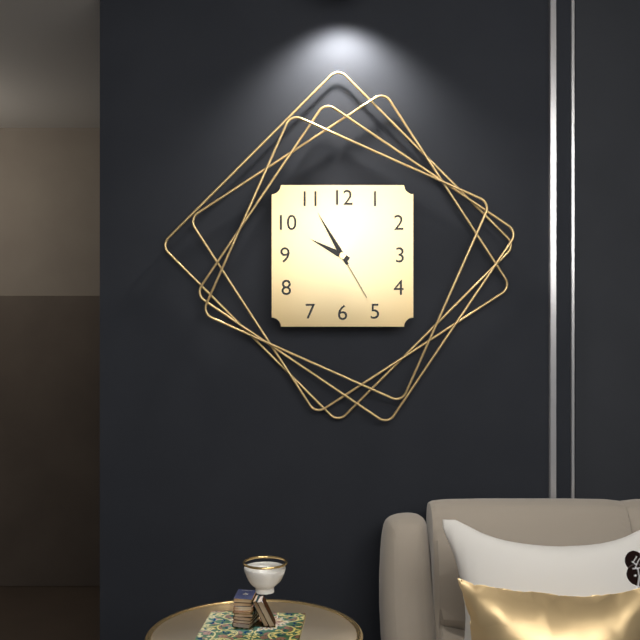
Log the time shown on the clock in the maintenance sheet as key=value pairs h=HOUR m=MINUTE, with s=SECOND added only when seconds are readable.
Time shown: h=9 m=55 s=25
